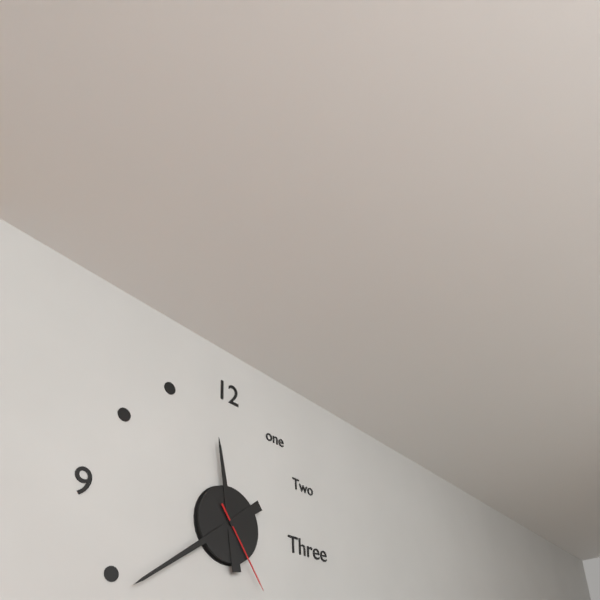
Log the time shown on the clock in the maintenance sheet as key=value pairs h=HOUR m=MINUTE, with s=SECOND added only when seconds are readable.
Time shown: h=11 m=39 s=24
